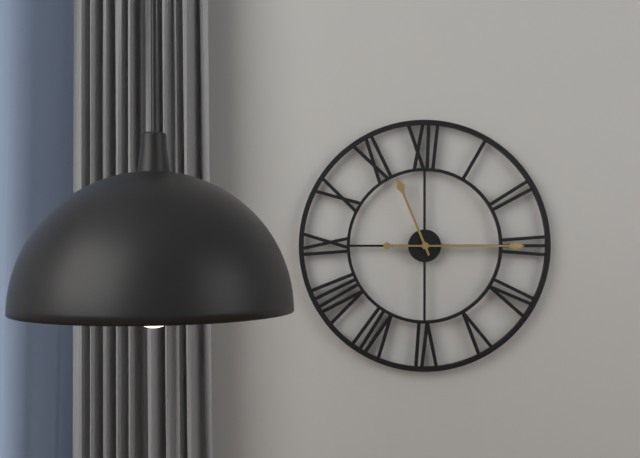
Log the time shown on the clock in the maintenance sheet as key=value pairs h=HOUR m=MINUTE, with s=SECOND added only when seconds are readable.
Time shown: h=11 m=15
